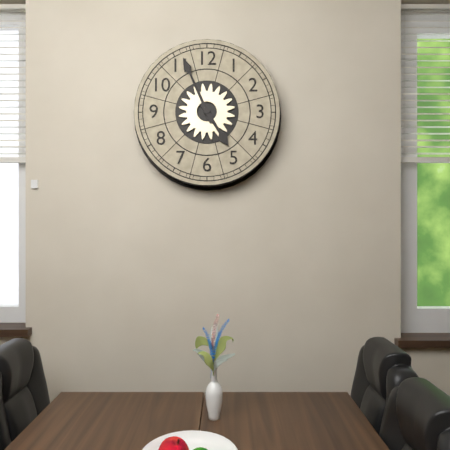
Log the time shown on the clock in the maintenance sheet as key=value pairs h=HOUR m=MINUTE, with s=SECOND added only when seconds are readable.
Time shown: h=4 m=56
